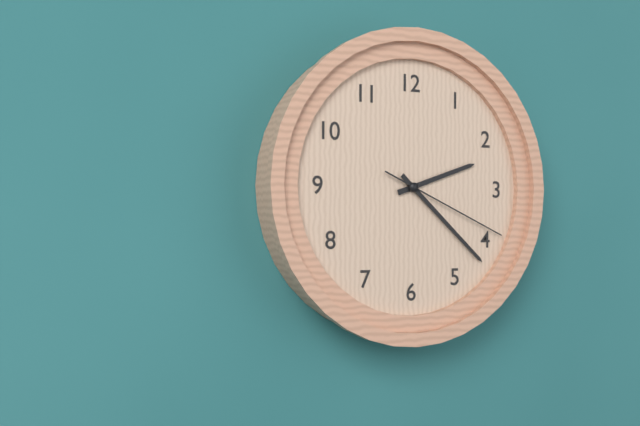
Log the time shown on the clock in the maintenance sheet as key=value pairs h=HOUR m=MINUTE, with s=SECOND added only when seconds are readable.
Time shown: h=2 m=22 s=19
